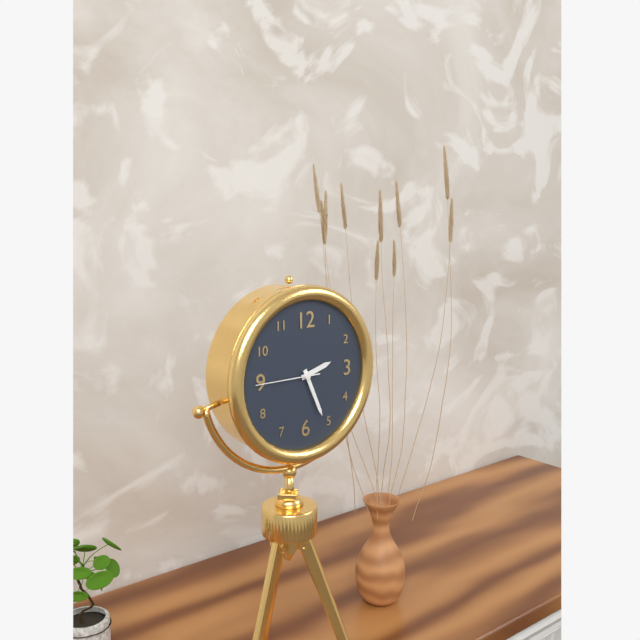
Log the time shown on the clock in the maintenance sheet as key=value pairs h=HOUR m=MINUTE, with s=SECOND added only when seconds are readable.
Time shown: h=2 m=26 s=45
